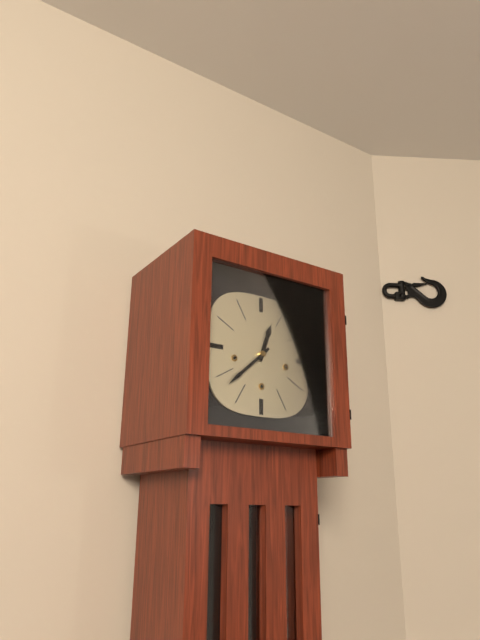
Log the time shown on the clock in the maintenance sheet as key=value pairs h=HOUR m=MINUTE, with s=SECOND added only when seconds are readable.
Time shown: h=12 m=38
